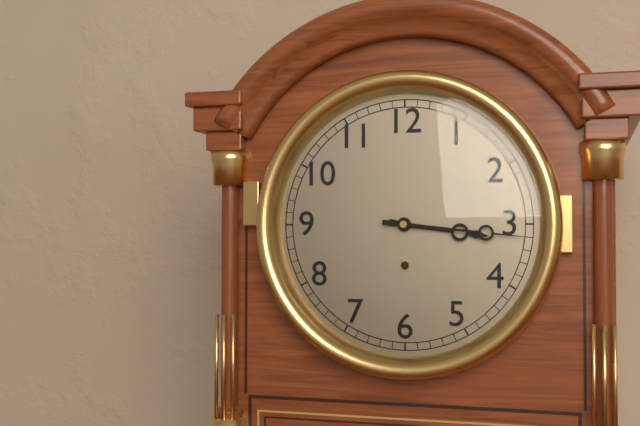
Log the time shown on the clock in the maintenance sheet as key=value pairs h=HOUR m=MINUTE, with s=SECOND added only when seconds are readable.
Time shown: h=3 m=16
